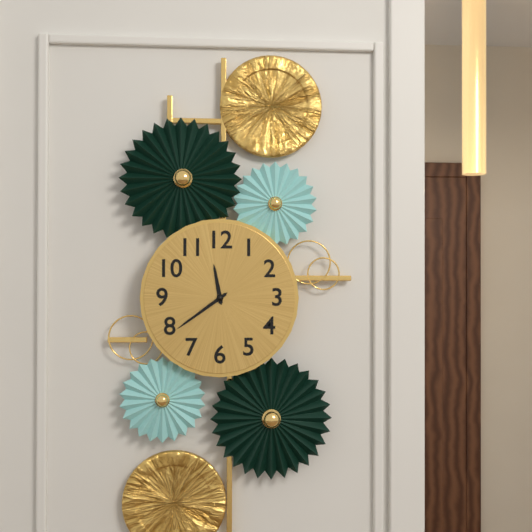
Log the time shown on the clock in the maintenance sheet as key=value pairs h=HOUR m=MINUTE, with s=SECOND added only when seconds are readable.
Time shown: h=11 m=39
